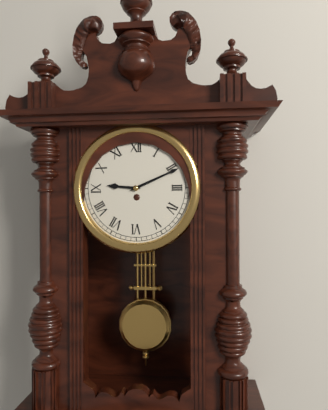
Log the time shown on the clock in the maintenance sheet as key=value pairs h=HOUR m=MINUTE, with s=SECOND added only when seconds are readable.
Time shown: h=9 m=11
